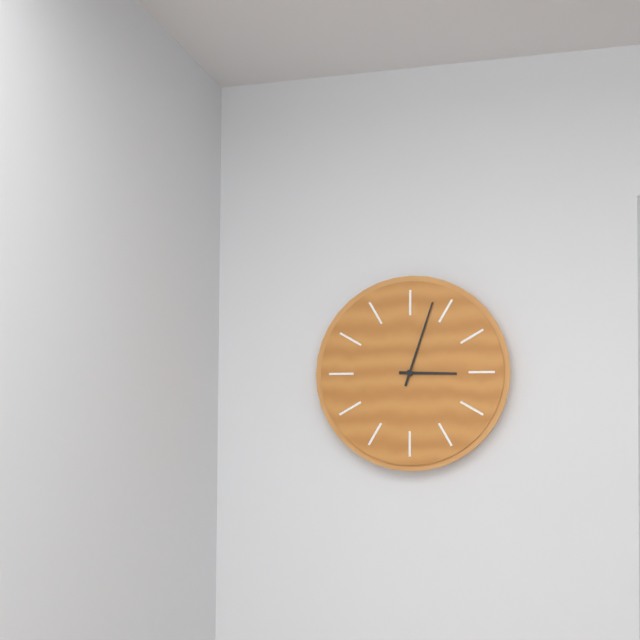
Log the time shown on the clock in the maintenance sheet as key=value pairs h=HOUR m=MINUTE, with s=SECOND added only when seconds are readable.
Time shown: h=3 m=3
